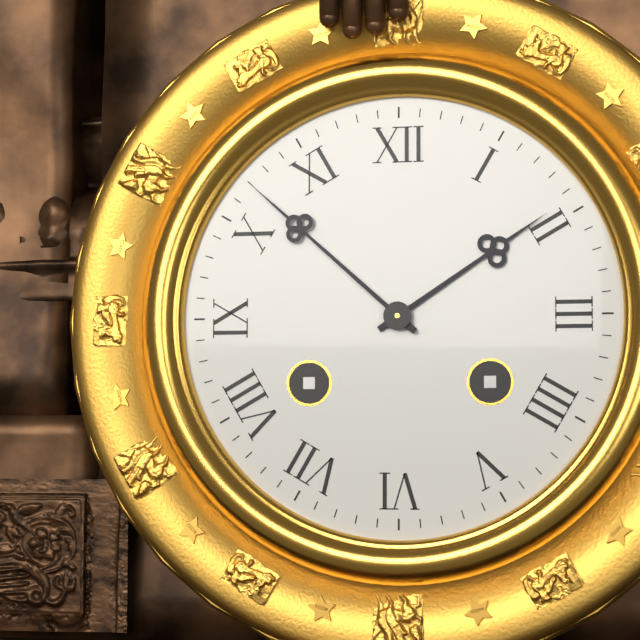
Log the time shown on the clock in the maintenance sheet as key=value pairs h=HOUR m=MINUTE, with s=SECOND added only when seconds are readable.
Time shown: h=1 m=52
